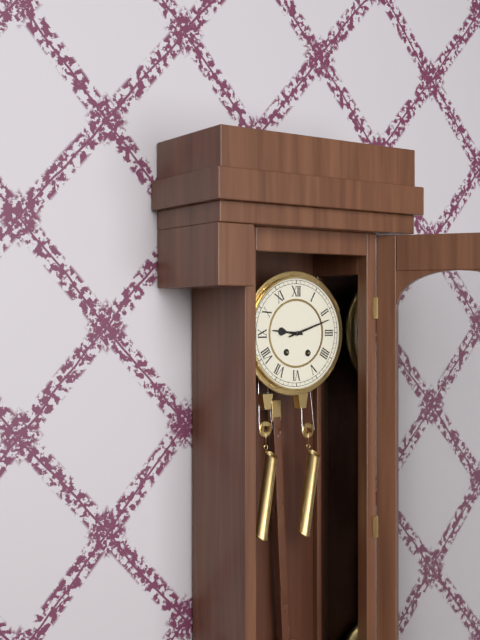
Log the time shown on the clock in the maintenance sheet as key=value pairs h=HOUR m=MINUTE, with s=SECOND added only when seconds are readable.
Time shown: h=9 m=12
